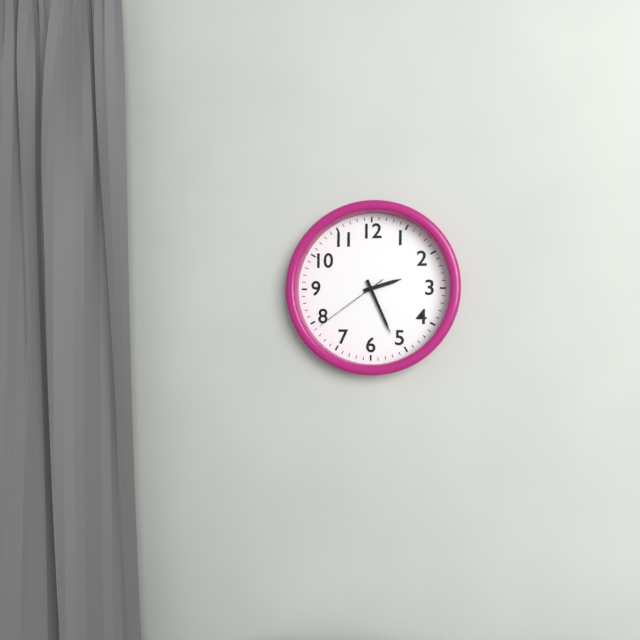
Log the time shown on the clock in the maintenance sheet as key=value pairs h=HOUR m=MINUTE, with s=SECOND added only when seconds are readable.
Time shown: h=2 m=26 s=39
